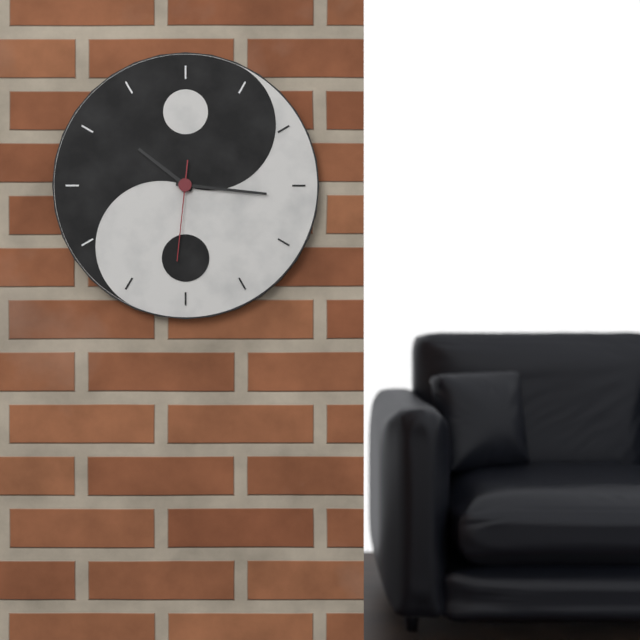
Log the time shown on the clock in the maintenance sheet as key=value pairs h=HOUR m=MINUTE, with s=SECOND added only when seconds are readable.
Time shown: h=10 m=16 s=31
